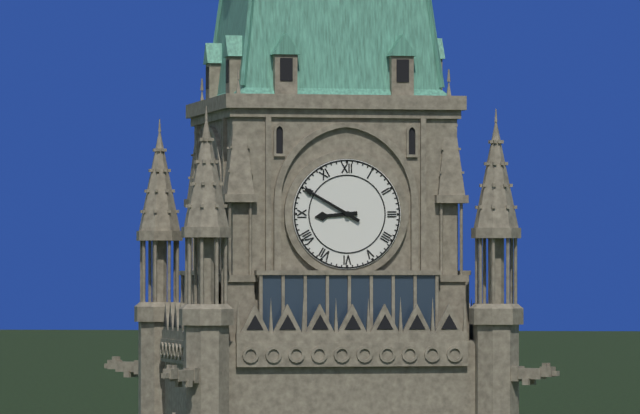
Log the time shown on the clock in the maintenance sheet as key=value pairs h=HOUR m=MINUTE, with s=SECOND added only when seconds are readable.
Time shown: h=8 m=50
